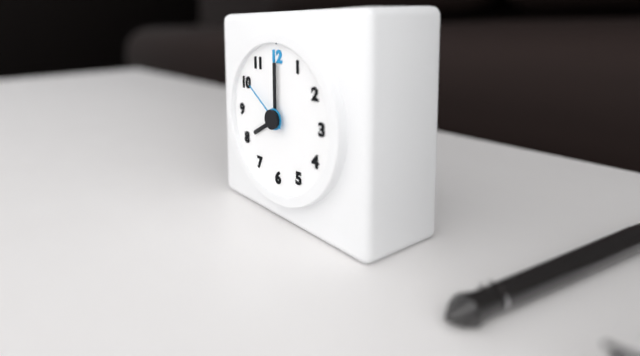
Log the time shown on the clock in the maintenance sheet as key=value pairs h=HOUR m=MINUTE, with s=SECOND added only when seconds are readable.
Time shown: h=8 m=0 s=51
